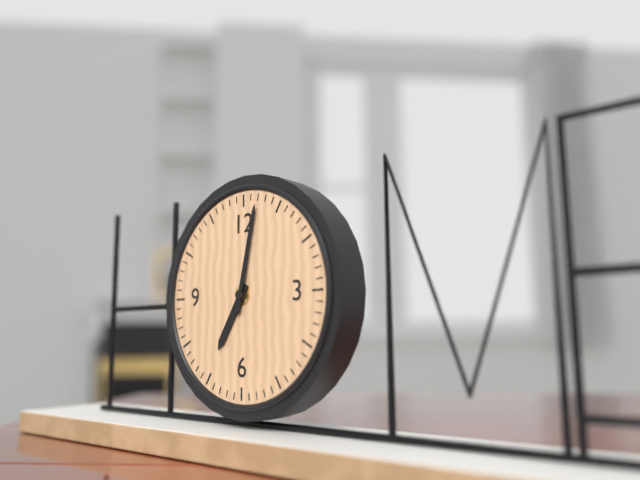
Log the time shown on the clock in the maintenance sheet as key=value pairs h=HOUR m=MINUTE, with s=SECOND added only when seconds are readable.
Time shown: h=7 m=2
